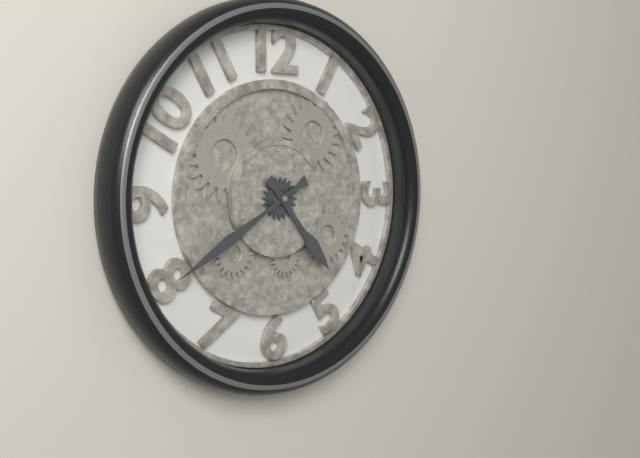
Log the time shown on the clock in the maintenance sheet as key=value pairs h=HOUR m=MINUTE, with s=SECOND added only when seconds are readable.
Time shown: h=4 m=40
